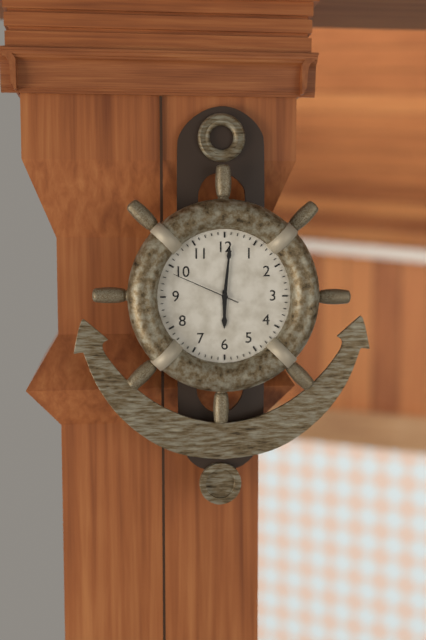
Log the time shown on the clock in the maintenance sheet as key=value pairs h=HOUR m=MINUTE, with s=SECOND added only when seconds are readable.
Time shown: h=6 m=1 s=49
